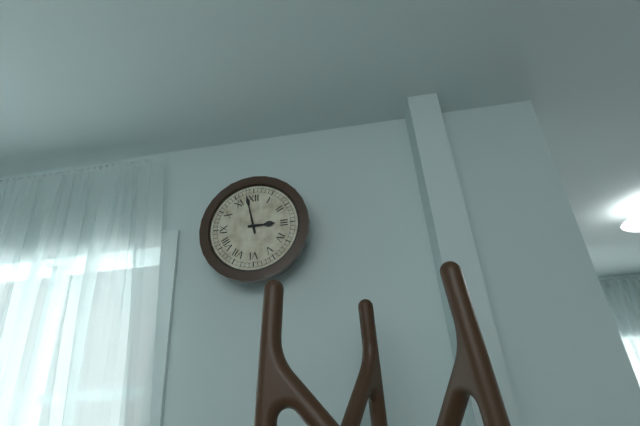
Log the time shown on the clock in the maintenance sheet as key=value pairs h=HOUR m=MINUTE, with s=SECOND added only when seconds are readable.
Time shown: h=2 m=58
